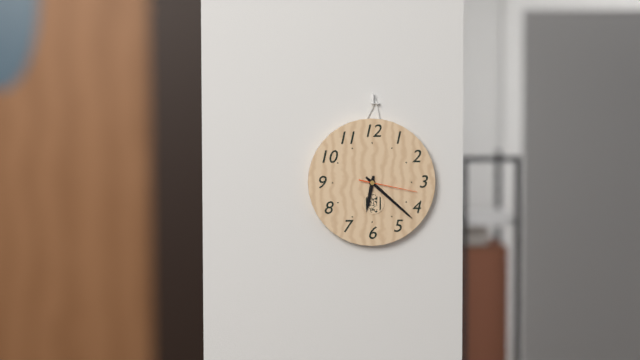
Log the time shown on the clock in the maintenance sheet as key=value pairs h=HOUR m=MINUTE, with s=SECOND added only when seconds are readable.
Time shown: h=6 m=22 s=17
